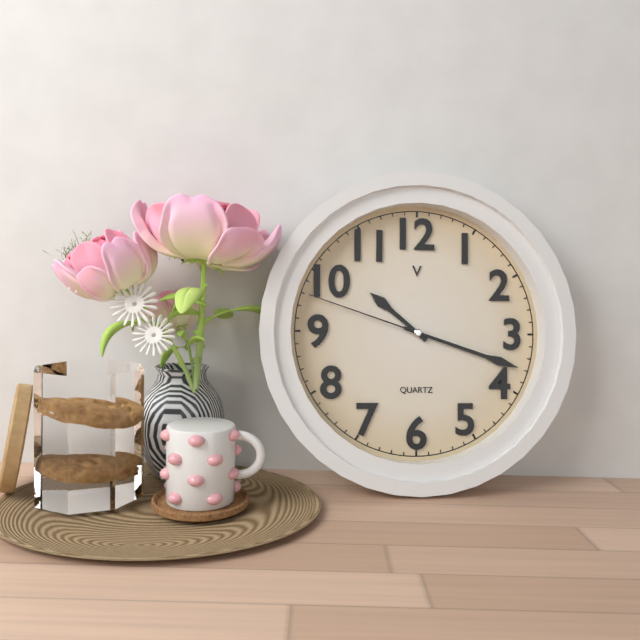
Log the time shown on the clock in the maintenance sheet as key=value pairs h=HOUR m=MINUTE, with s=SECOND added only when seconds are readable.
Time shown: h=10 m=18 s=48
